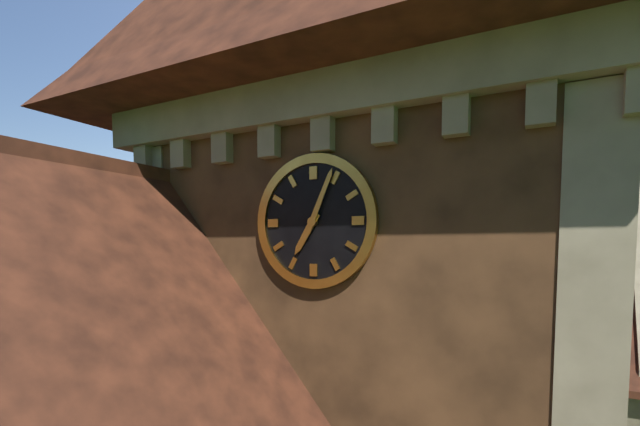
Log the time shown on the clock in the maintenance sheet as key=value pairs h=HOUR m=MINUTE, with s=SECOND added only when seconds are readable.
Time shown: h=7 m=4
